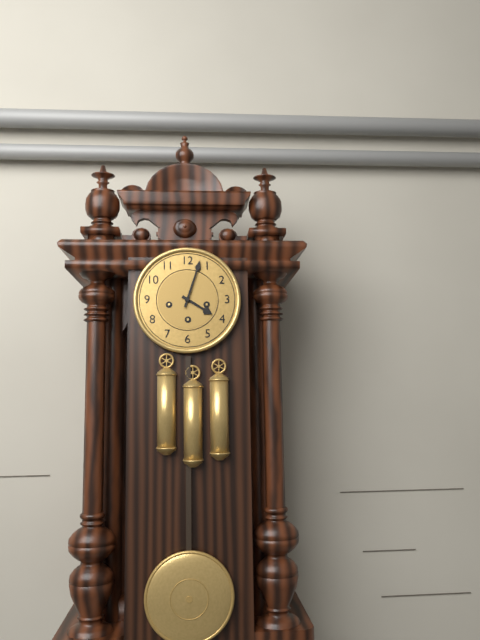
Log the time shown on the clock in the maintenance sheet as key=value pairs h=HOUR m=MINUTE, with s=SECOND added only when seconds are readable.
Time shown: h=4 m=3
